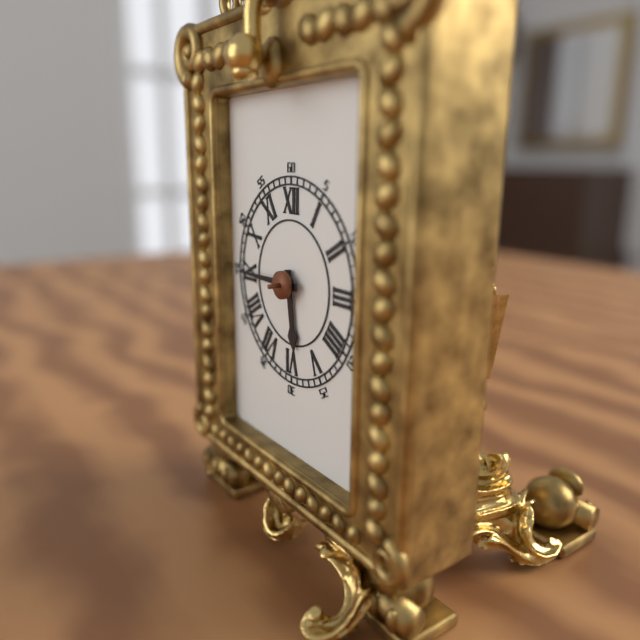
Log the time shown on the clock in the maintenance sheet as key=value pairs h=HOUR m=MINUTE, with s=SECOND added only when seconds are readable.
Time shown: h=5 m=45
